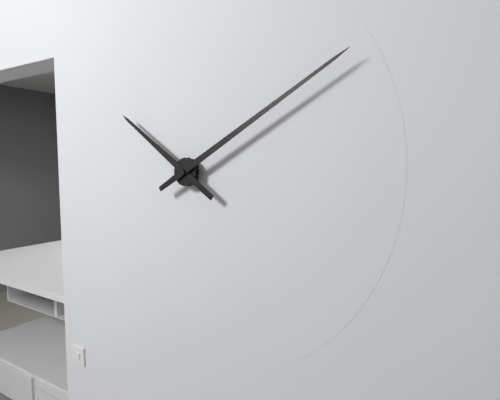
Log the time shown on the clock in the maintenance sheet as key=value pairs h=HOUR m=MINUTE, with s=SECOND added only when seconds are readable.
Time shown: h=10 m=10
